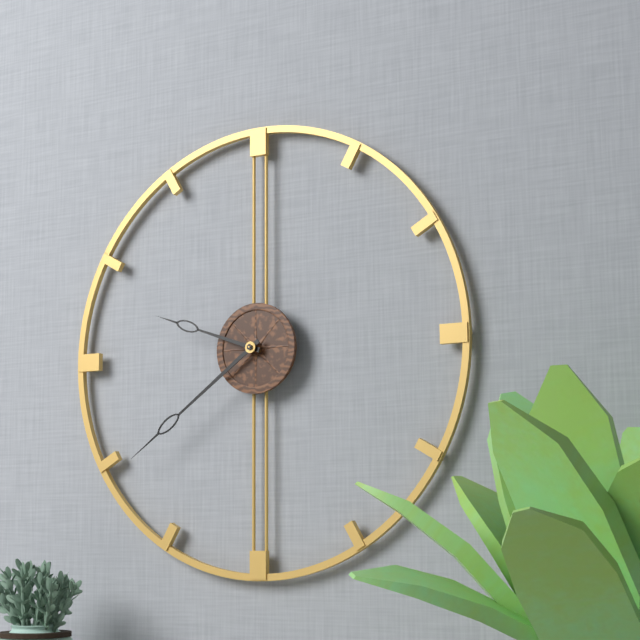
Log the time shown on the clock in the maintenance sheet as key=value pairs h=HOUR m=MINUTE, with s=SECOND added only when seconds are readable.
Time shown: h=9 m=39
